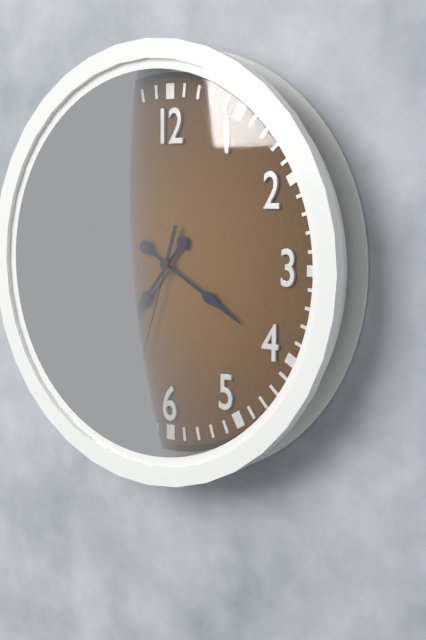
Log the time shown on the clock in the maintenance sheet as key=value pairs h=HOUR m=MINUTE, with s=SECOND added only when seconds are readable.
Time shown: h=7 m=20 s=33
